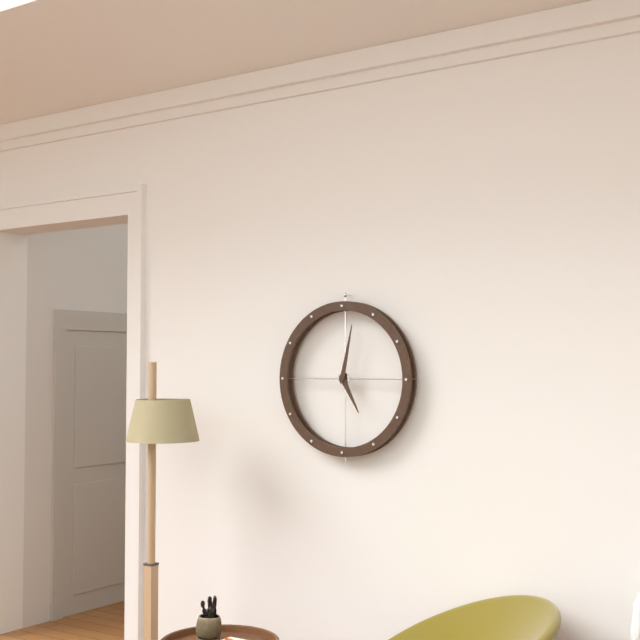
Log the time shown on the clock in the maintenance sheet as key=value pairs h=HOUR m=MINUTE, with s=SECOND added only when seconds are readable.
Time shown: h=5 m=2
